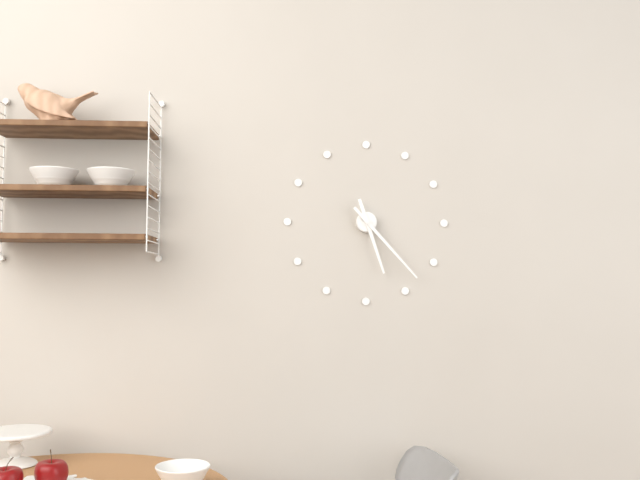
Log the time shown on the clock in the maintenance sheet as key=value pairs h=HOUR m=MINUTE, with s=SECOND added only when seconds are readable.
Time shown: h=5 m=23
